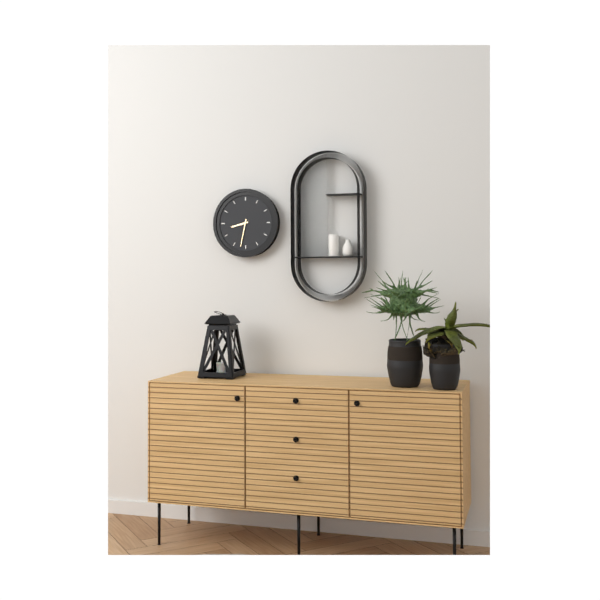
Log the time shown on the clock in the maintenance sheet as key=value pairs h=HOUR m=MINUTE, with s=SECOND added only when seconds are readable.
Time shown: h=8 m=32
